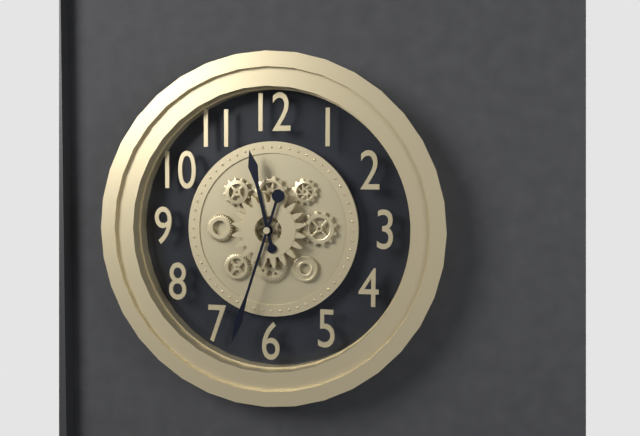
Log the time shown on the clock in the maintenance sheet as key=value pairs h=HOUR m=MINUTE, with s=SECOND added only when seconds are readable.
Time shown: h=11 m=33
